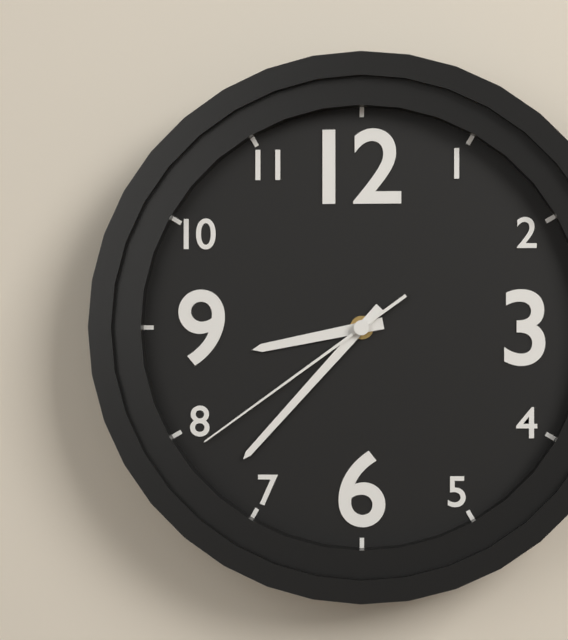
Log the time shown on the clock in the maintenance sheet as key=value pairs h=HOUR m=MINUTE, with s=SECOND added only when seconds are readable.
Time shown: h=8 m=37 s=39
